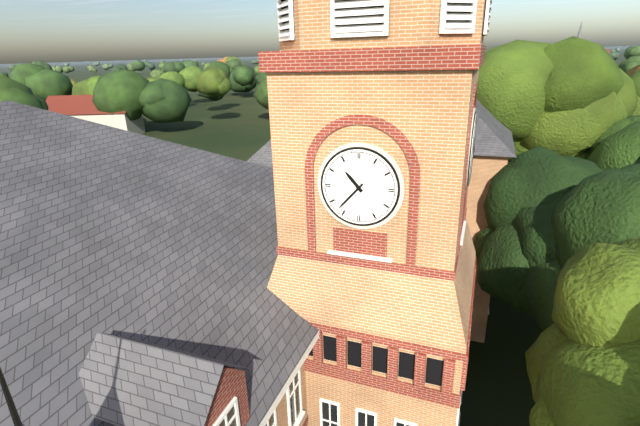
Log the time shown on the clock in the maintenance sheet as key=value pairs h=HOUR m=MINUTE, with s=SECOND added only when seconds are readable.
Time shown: h=10 m=37
